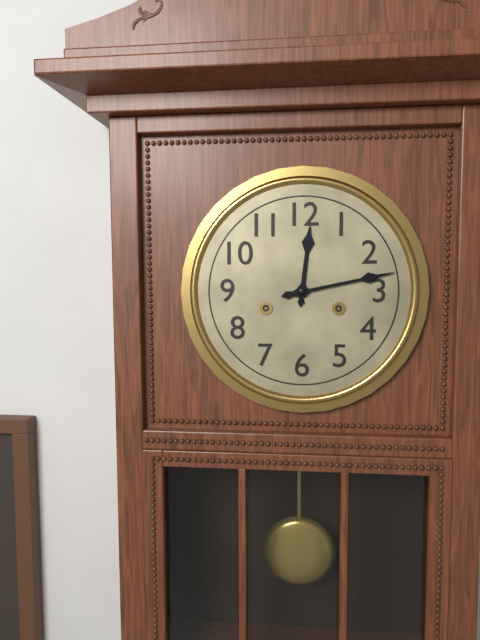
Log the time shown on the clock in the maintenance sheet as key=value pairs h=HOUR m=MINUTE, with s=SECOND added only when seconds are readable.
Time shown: h=12 m=13
